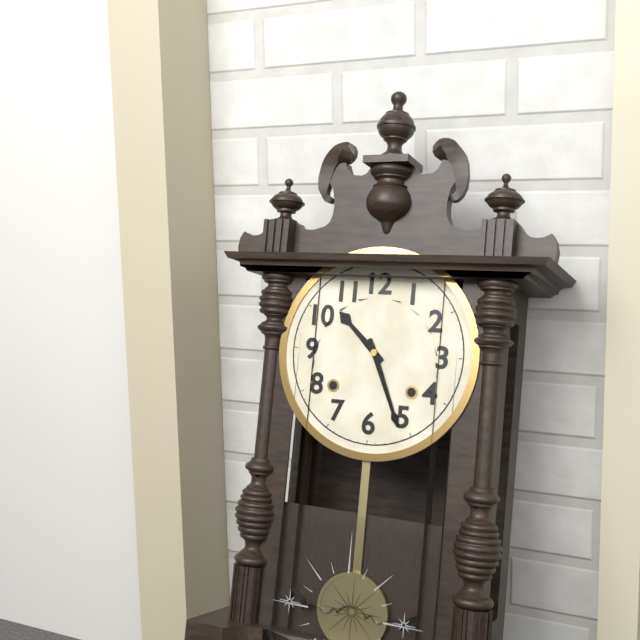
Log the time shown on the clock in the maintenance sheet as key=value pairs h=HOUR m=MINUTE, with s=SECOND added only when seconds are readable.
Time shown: h=10 m=26
